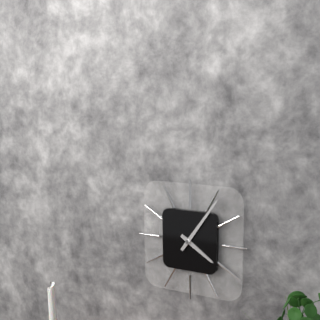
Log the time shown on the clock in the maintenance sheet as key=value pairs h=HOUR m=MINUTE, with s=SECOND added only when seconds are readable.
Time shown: h=4 m=6
